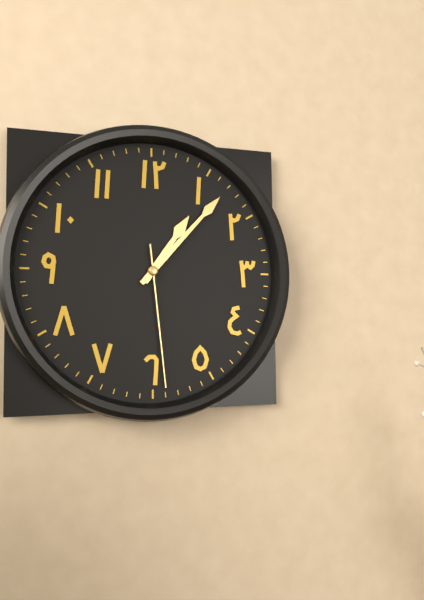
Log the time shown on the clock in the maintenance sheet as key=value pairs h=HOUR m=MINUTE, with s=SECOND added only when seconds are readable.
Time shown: h=1 m=7 s=29
